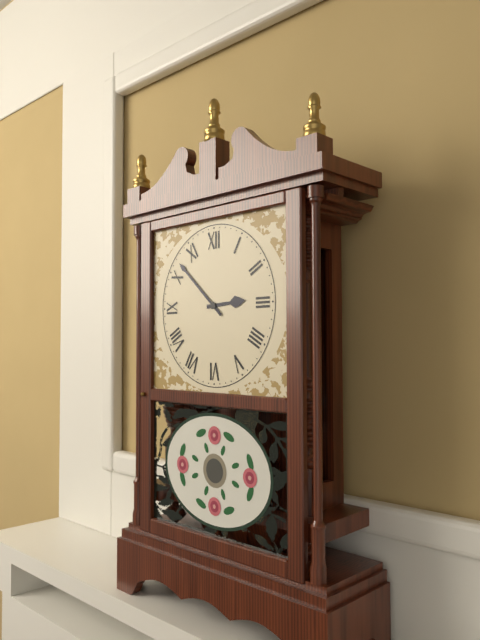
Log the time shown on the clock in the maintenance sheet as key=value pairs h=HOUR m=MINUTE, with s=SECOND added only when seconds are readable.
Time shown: h=2 m=52
